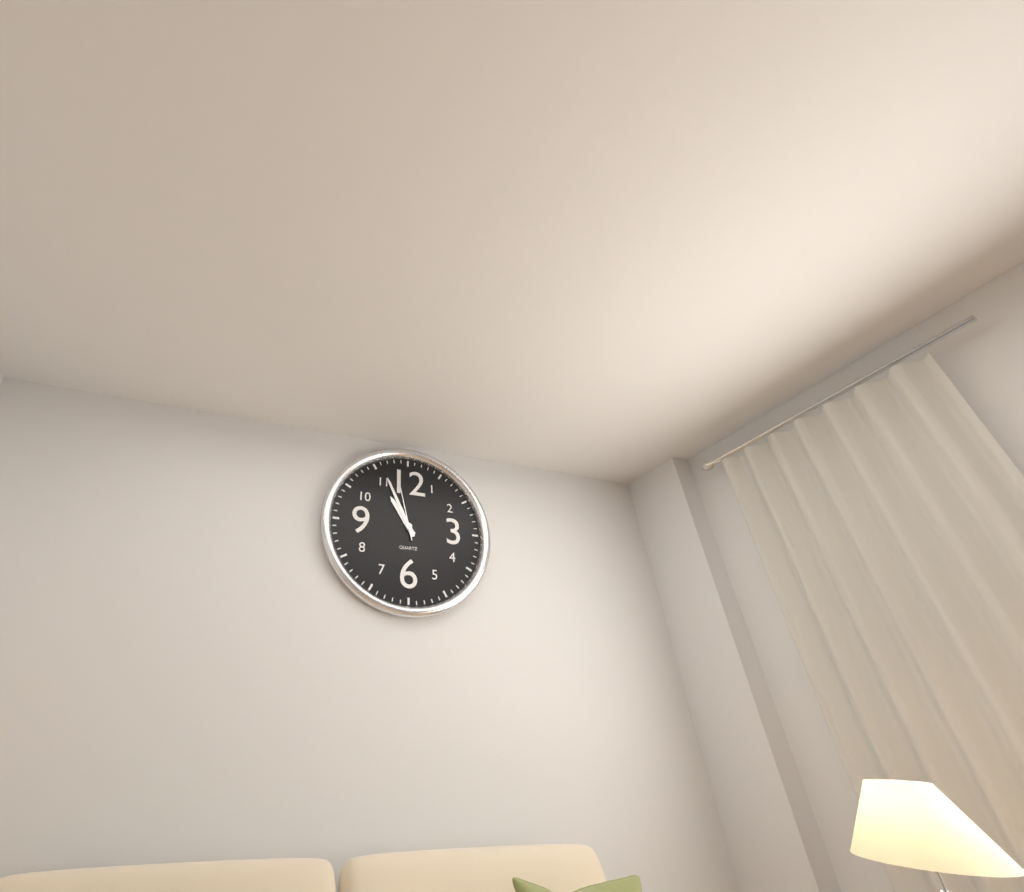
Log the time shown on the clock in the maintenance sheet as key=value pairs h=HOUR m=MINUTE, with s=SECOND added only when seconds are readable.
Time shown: h=10 m=56 s=58
